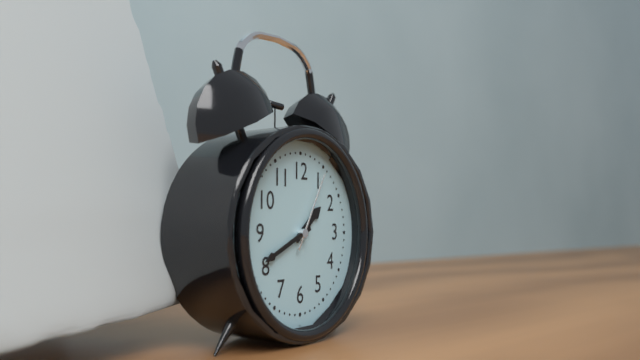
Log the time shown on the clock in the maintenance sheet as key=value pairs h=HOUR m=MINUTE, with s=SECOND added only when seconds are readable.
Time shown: h=1 m=41 s=5
